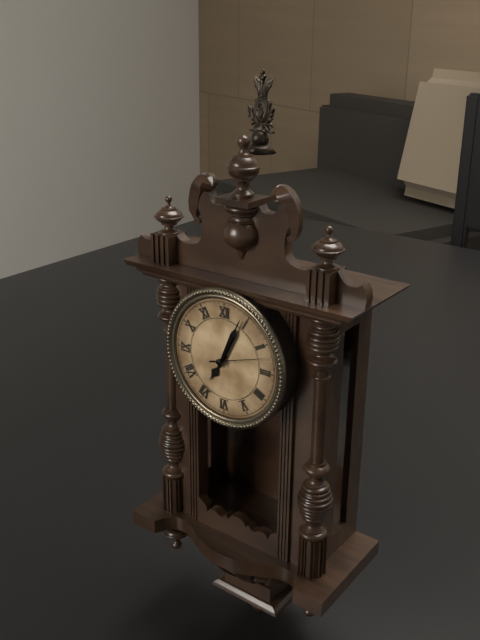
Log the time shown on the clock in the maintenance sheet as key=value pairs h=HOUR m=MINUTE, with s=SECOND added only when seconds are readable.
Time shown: h=7 m=4 s=12
